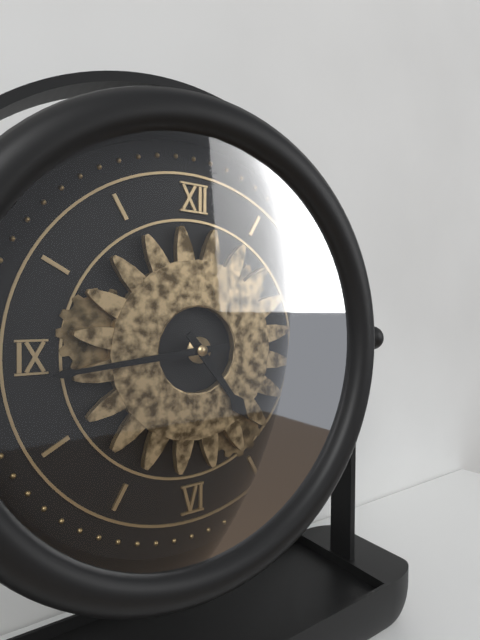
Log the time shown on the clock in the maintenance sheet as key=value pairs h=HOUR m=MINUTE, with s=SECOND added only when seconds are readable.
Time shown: h=4 m=44
